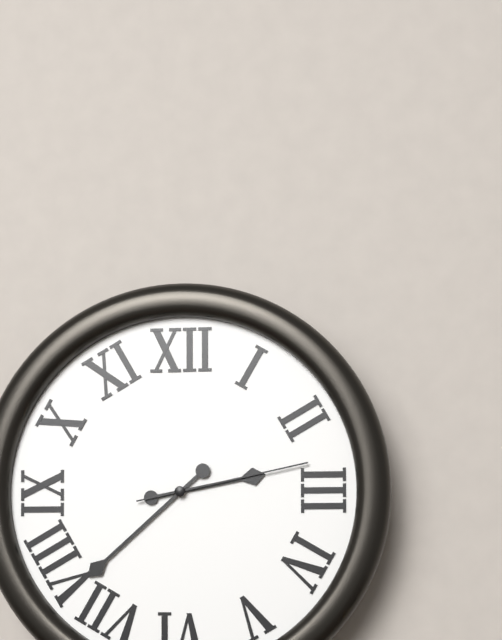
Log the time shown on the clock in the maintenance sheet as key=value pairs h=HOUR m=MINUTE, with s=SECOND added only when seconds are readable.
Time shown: h=2 m=38 s=13
